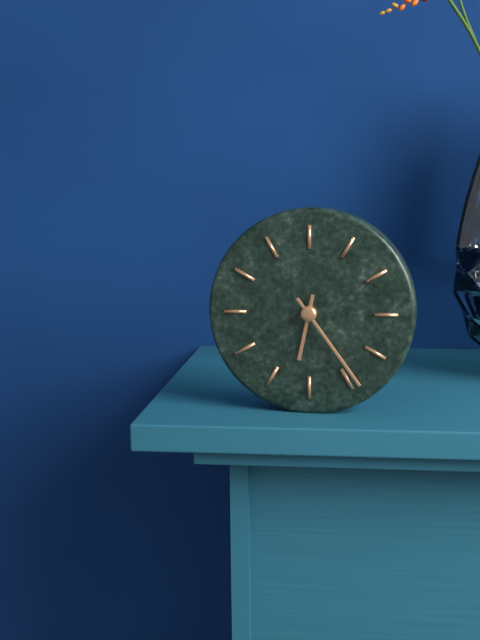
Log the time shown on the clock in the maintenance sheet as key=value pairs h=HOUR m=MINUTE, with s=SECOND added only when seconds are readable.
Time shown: h=6 m=24
